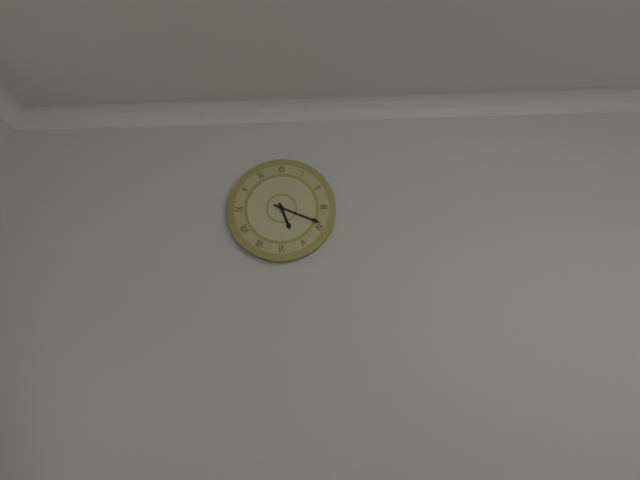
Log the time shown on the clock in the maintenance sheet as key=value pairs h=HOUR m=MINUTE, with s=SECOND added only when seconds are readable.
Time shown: h=5 m=19
